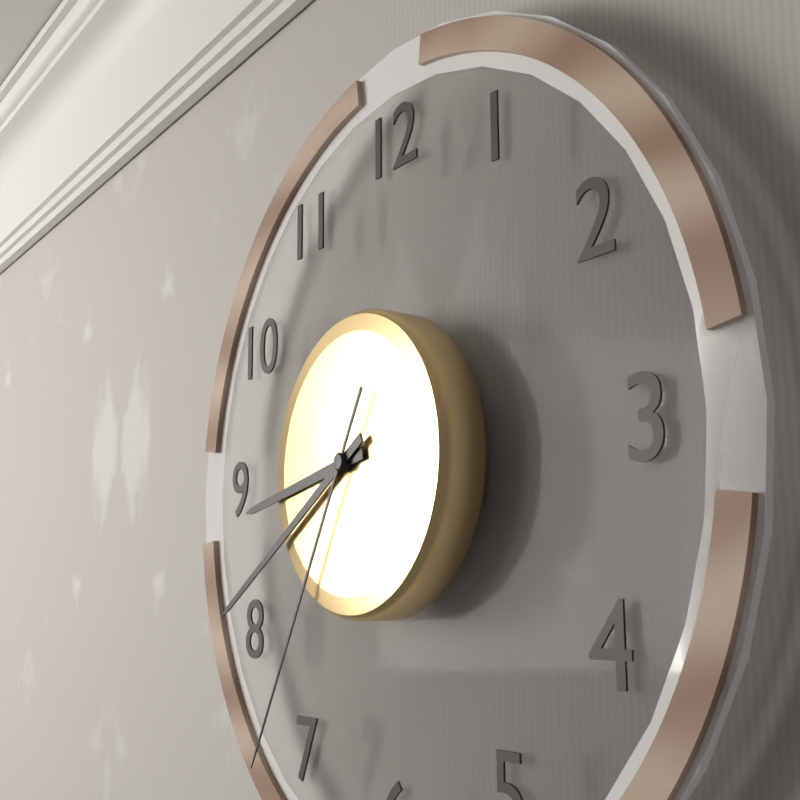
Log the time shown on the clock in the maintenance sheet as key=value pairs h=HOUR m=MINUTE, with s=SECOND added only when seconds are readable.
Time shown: h=8 m=40 s=35
